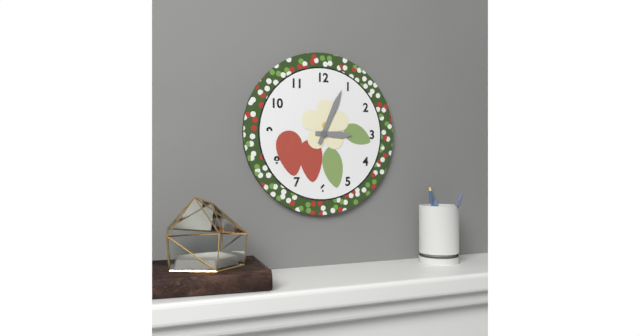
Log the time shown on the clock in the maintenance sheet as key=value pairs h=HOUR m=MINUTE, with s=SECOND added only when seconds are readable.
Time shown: h=3 m=4
